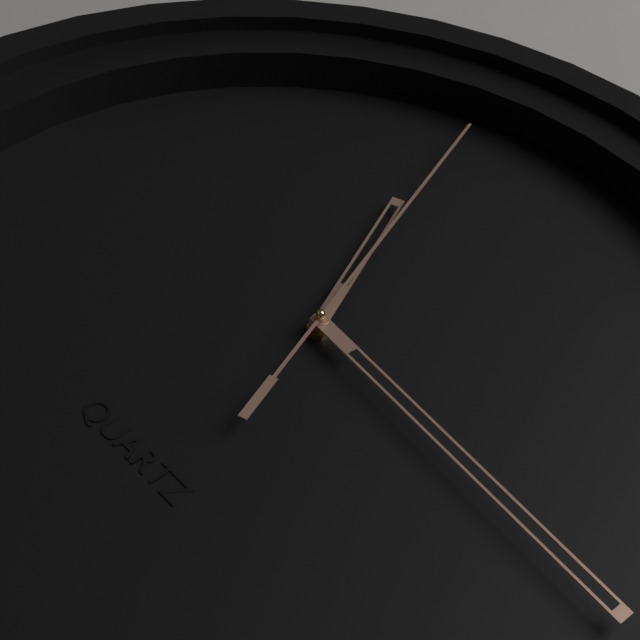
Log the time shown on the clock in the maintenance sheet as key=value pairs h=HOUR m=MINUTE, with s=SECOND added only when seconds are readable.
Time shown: h=11 m=16 s=57
